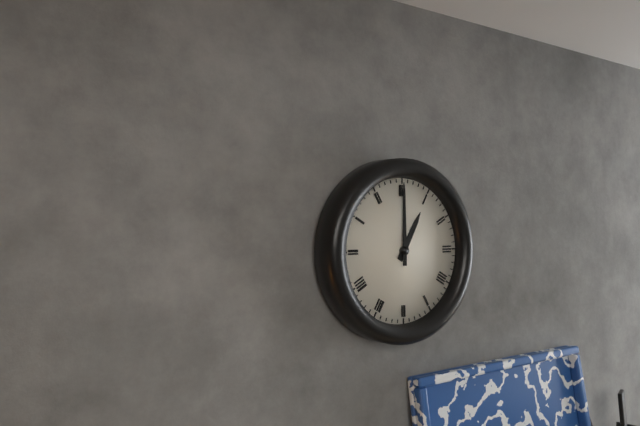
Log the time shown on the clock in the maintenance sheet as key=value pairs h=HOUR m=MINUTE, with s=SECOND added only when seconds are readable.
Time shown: h=1 m=0
